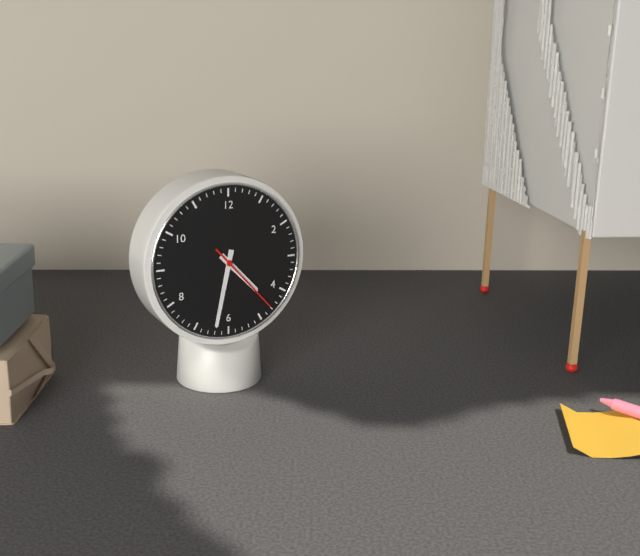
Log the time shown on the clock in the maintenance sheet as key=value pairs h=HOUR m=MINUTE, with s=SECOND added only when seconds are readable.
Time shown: h=4 m=32 s=23
